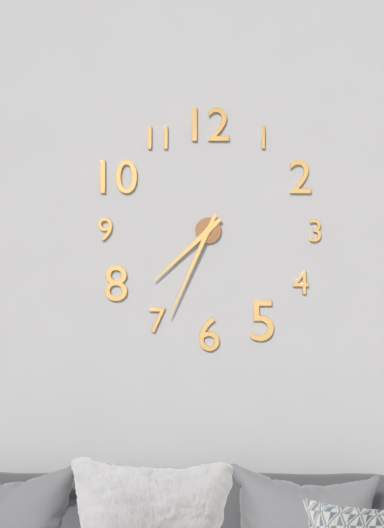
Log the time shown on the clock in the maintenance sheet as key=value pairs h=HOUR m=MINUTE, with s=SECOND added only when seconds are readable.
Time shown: h=7 m=34
